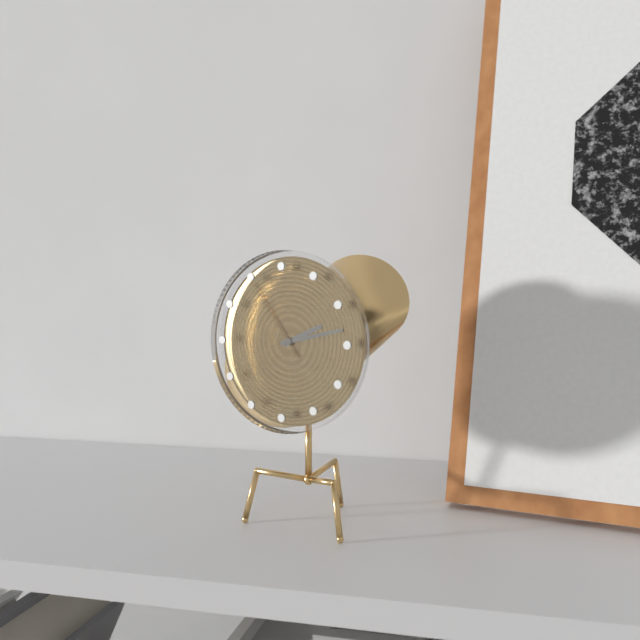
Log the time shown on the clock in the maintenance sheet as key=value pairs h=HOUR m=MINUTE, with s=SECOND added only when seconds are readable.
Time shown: h=2 m=13 s=54
